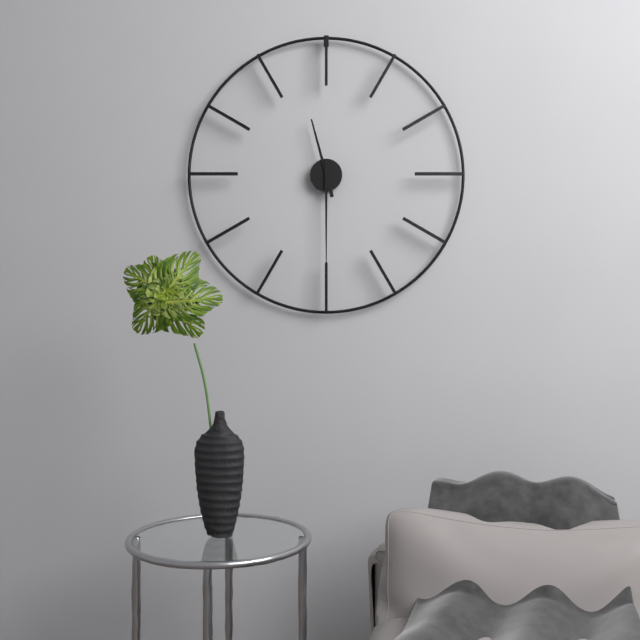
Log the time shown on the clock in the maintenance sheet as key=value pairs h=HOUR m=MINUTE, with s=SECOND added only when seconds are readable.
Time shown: h=11 m=30
